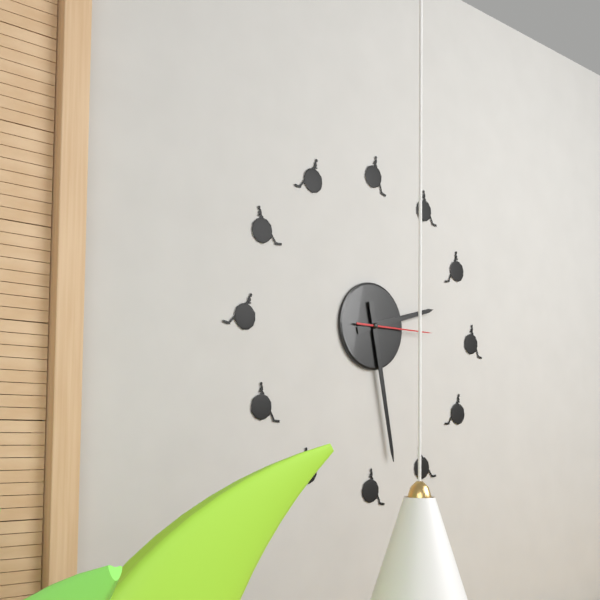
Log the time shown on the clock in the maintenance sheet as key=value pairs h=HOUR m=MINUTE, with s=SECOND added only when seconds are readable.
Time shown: h=2 m=28 s=15
